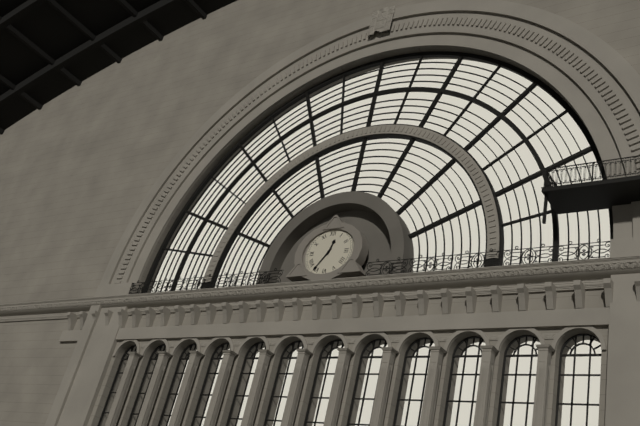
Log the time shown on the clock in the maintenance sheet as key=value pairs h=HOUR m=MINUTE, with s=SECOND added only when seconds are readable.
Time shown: h=12 m=36
